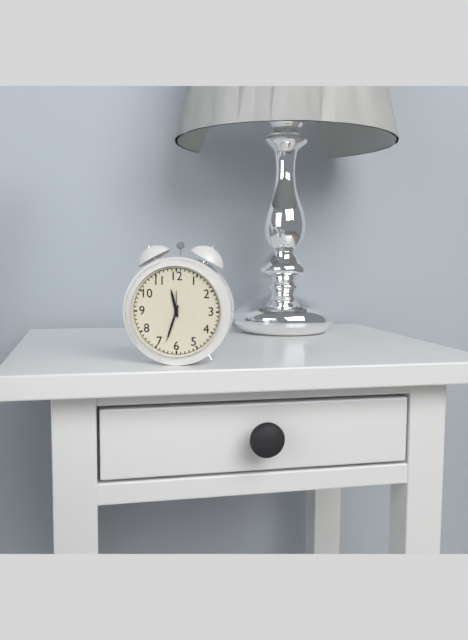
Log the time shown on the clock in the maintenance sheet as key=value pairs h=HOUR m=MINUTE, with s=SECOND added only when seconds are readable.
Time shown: h=11 m=33
